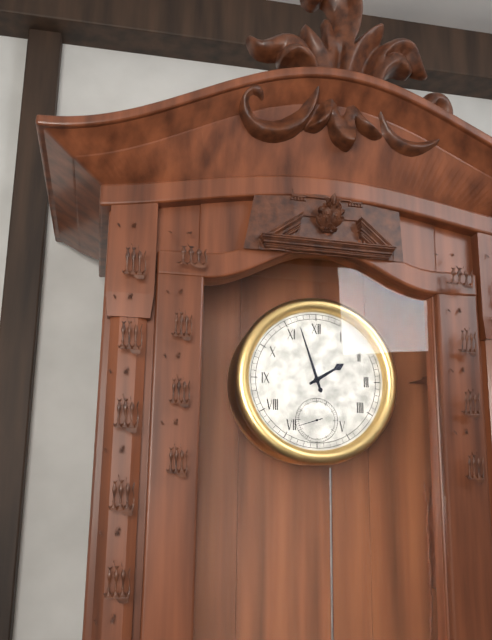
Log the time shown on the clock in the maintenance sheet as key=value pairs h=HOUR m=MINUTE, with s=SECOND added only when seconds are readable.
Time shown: h=1 m=57
